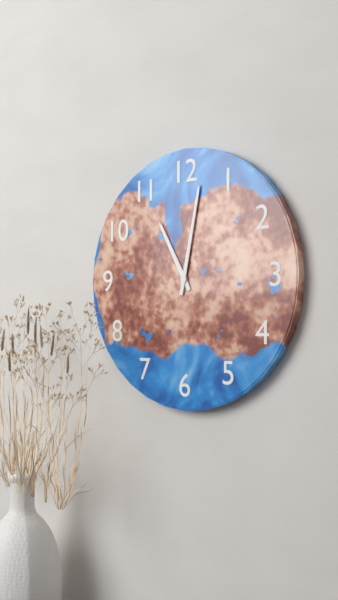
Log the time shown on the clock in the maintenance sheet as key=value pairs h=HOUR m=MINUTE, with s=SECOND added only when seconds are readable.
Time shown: h=11 m=2
